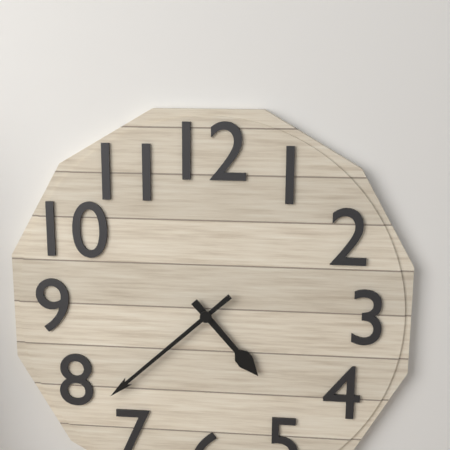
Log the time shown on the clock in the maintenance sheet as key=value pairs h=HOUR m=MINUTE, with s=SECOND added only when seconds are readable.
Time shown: h=4 m=38
